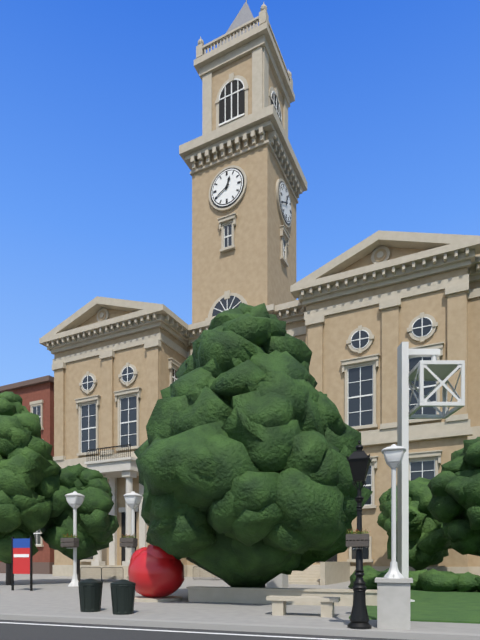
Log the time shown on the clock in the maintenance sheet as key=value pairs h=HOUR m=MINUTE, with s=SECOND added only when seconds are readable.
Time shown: h=12 m=40
